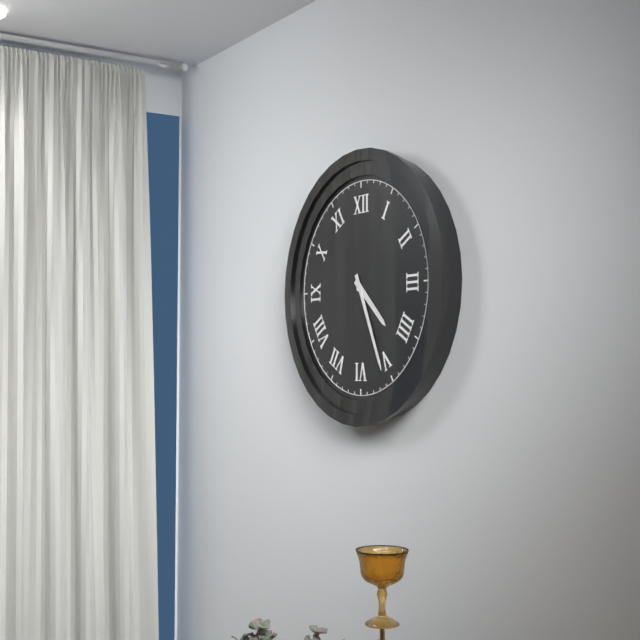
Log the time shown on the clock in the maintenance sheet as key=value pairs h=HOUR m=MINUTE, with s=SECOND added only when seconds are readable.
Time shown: h=4 m=26
